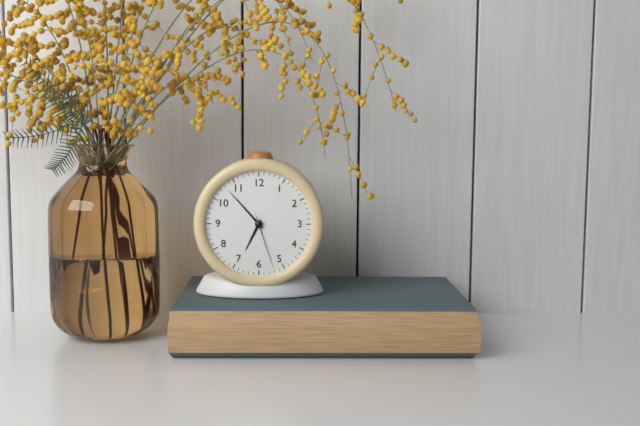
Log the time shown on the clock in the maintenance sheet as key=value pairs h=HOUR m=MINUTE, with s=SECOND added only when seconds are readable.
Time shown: h=6 m=53 s=27
